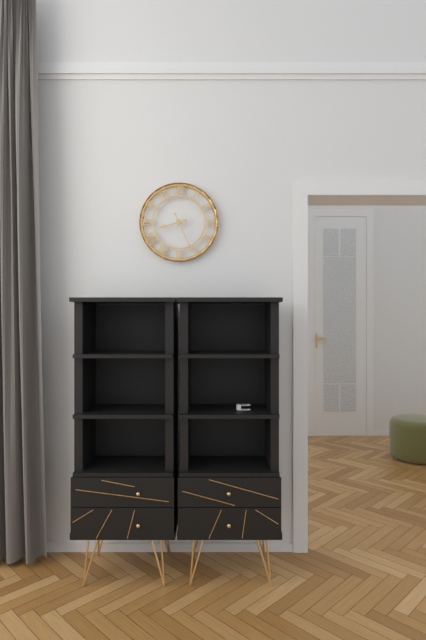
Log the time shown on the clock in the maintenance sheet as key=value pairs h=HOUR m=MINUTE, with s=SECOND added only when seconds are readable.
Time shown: h=8 m=26
